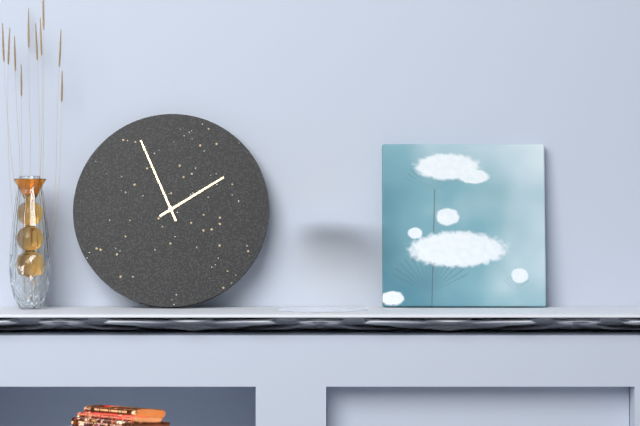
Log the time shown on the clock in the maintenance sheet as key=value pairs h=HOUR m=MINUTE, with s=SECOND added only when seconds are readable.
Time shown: h=1 m=56
